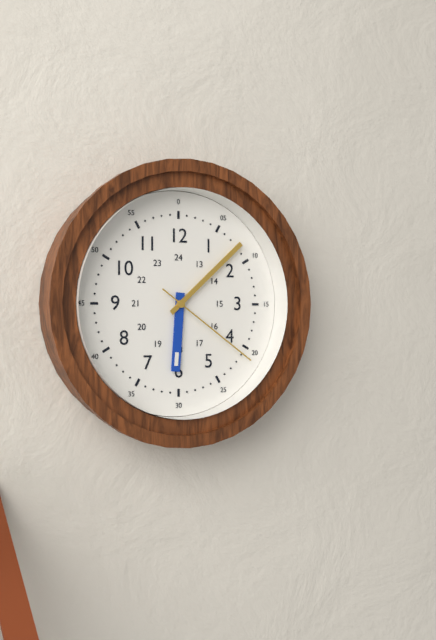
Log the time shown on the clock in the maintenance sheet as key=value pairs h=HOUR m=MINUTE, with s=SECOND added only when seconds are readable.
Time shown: h=6 m=8 s=21
